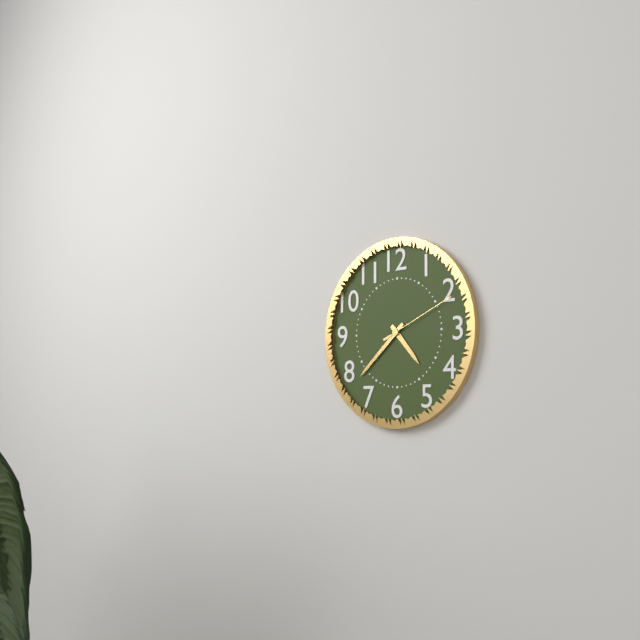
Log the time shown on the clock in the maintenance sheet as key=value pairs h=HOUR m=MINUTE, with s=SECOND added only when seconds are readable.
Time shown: h=4 m=38 s=11
